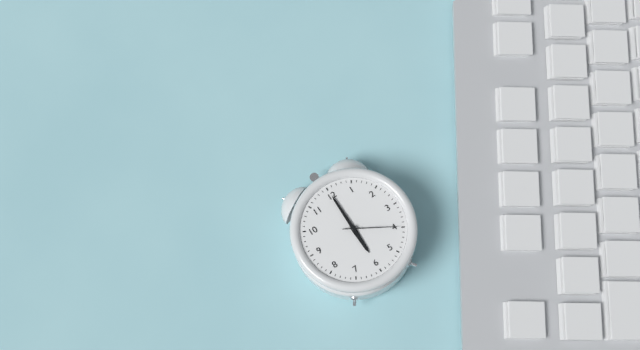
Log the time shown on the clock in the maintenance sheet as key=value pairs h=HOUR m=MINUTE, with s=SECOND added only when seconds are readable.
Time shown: h=6 m=0 s=20
